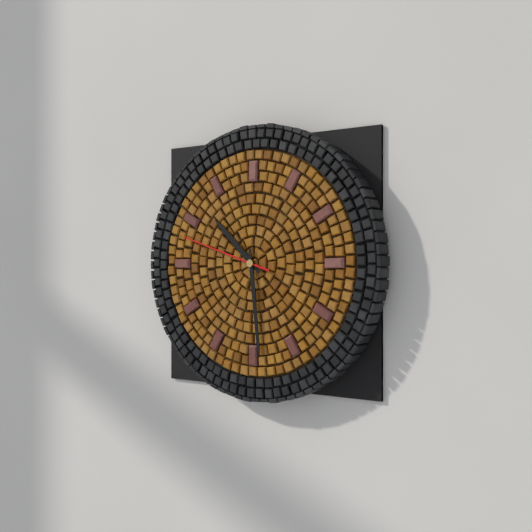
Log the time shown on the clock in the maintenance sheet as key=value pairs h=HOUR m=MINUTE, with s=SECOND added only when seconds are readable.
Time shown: h=10 m=29 s=48
